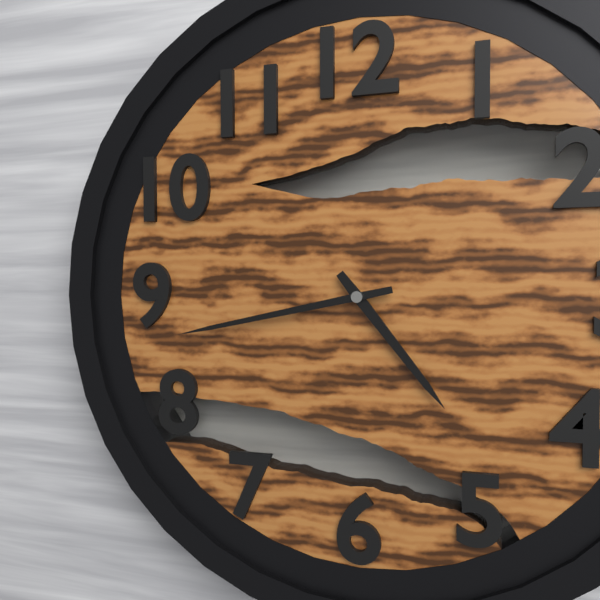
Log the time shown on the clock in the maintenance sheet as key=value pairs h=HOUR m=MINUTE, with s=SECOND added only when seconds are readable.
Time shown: h=4 m=43
